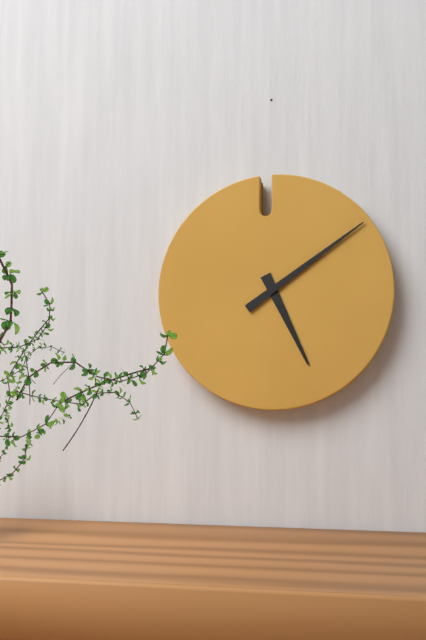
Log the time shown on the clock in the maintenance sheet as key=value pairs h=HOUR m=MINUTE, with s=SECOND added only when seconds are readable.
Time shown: h=5 m=9
